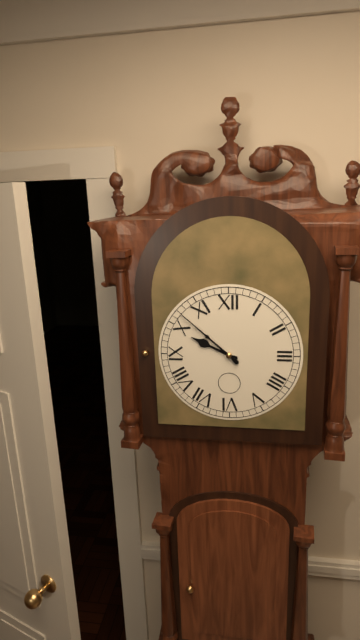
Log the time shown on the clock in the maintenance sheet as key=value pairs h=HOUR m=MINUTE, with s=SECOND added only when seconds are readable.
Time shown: h=9 m=52
